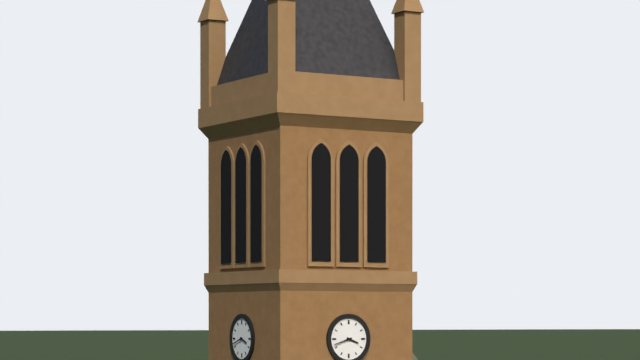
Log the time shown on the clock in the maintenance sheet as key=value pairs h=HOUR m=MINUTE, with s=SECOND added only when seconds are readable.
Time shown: h=3 m=42
